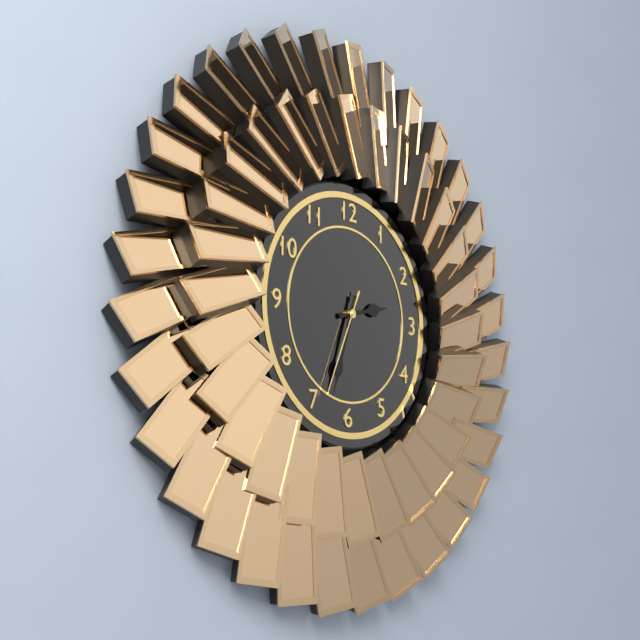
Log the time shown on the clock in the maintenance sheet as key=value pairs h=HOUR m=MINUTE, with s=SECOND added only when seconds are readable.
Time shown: h=2 m=33 s=34
